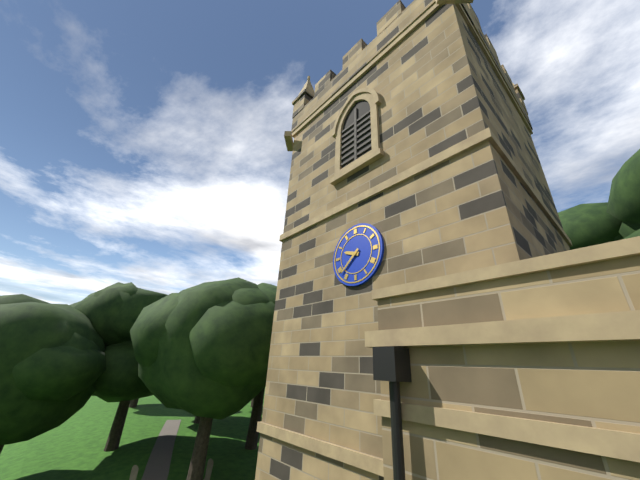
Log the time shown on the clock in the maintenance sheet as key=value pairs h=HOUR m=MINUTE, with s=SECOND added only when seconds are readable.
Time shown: h=9 m=38
